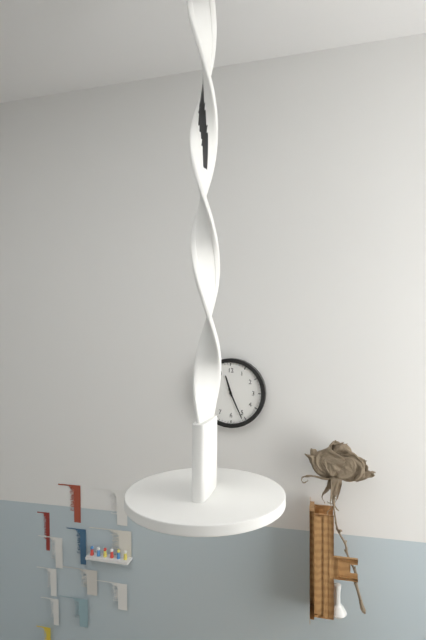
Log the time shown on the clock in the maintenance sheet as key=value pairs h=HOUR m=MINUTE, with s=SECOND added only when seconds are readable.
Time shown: h=11 m=26
